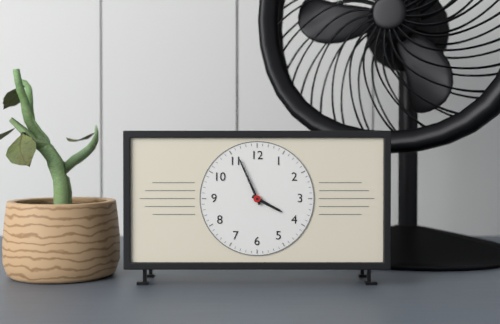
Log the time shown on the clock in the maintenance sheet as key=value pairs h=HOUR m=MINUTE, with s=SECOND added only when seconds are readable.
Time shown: h=3 m=56
